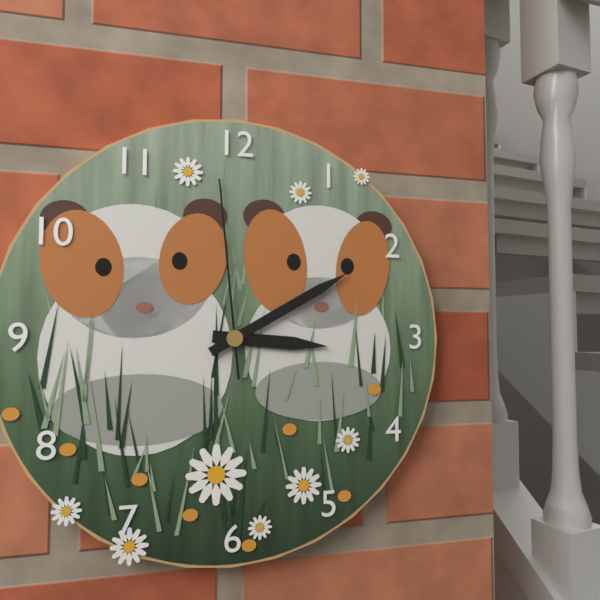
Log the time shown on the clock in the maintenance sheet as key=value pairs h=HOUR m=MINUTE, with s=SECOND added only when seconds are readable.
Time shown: h=3 m=10 s=59
